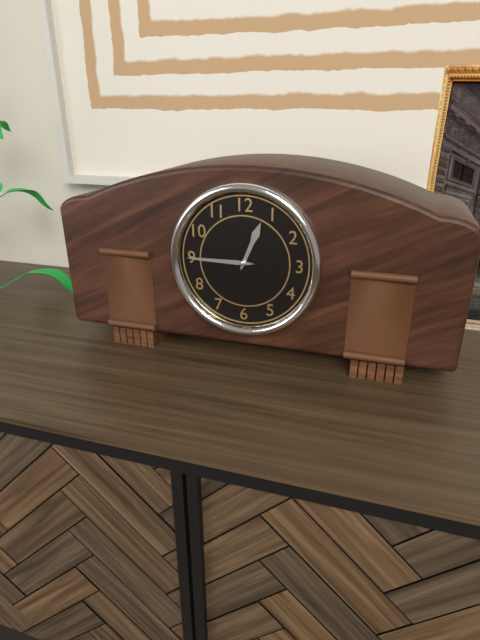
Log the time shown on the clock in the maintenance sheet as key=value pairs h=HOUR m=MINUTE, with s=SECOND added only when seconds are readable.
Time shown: h=12 m=45
